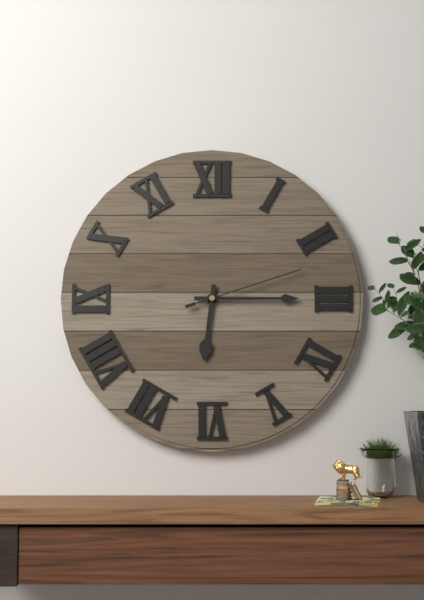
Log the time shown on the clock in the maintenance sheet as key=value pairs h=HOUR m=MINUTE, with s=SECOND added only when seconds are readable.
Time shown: h=6 m=15 s=12
